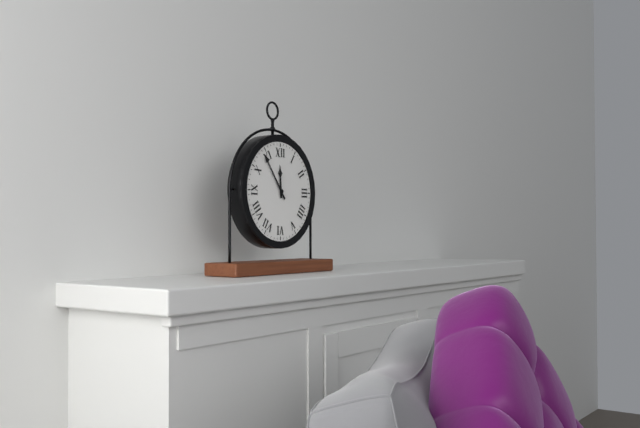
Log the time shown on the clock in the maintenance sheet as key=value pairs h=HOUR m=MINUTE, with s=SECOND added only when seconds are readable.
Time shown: h=11 m=54
